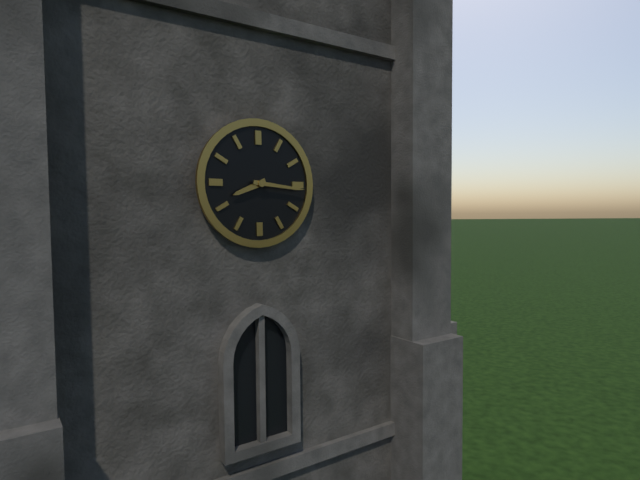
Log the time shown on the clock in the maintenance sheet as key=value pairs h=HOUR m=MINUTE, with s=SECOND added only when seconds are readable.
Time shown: h=8 m=16
